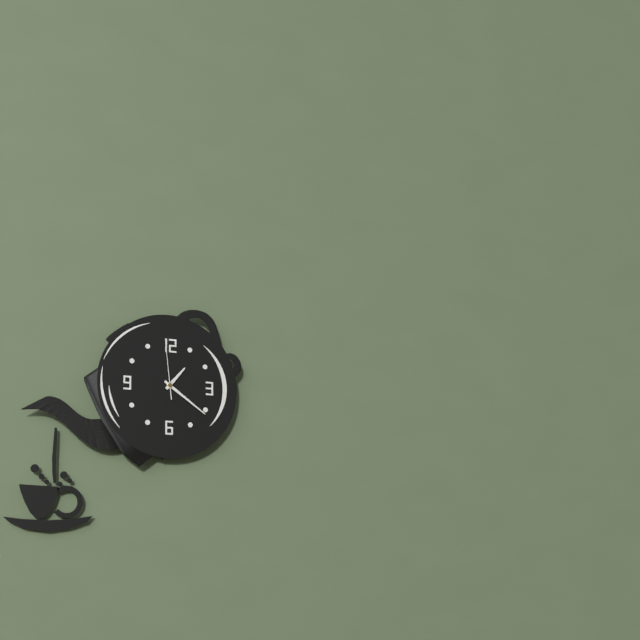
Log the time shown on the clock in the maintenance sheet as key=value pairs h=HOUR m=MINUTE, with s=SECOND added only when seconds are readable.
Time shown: h=1 m=21
